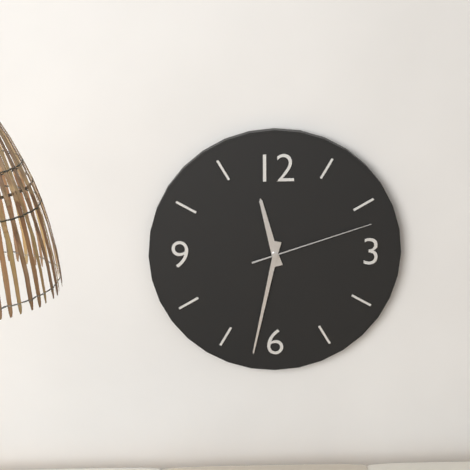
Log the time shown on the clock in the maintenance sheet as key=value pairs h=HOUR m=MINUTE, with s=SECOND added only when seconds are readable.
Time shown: h=11 m=32 s=12
